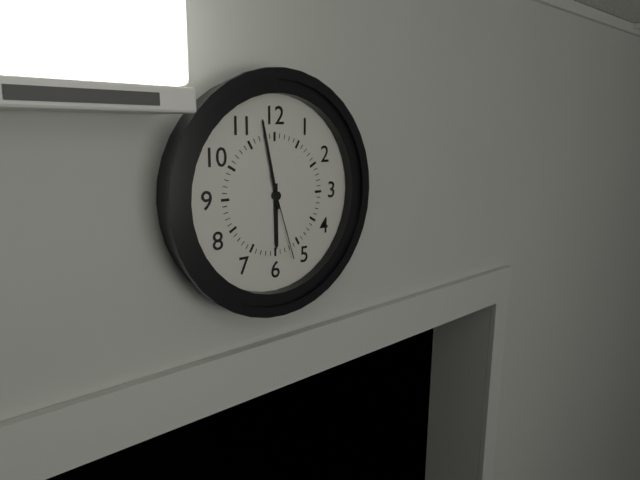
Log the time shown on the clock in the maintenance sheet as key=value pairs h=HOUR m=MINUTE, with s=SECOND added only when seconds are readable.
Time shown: h=5 m=58 s=27
